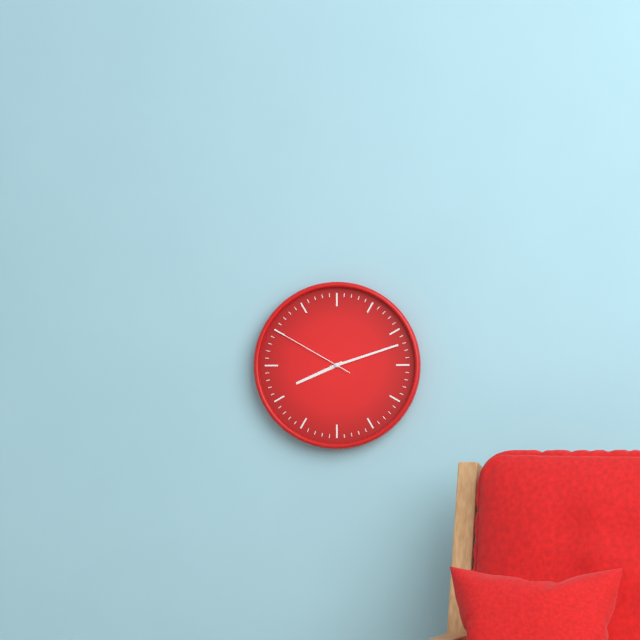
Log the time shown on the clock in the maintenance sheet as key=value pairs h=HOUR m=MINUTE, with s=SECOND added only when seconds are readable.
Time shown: h=8 m=12 s=50
